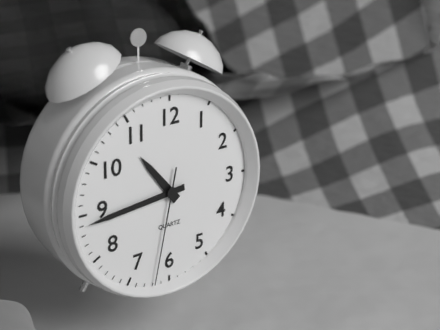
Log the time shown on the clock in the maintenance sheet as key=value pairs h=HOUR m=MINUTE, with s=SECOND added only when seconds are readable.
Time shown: h=10 m=44 s=32
